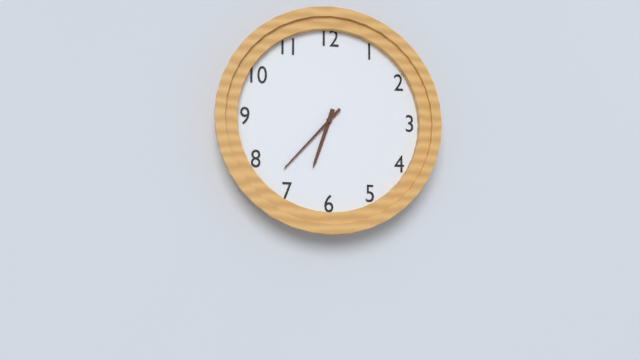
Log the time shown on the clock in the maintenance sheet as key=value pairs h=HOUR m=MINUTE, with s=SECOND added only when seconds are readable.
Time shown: h=6 m=37
